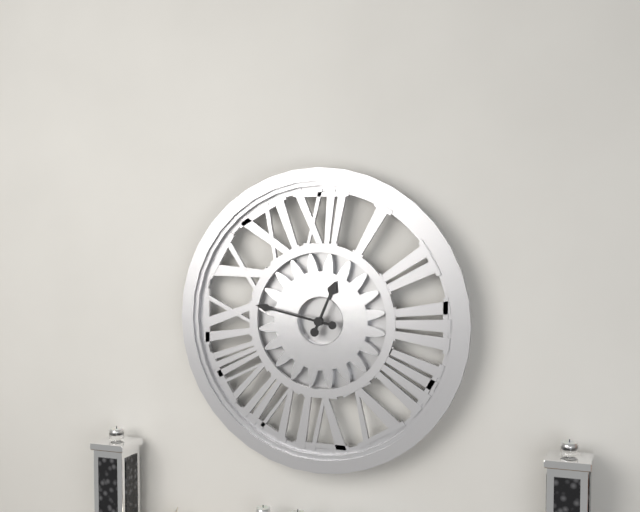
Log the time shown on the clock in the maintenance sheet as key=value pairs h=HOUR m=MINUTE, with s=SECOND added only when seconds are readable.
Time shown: h=12 m=47
